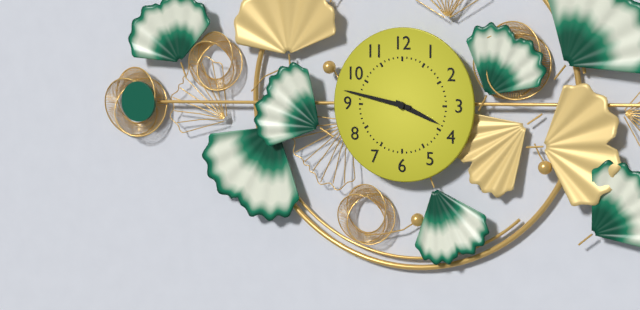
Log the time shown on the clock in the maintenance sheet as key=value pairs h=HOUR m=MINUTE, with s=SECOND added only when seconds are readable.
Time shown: h=3 m=47
